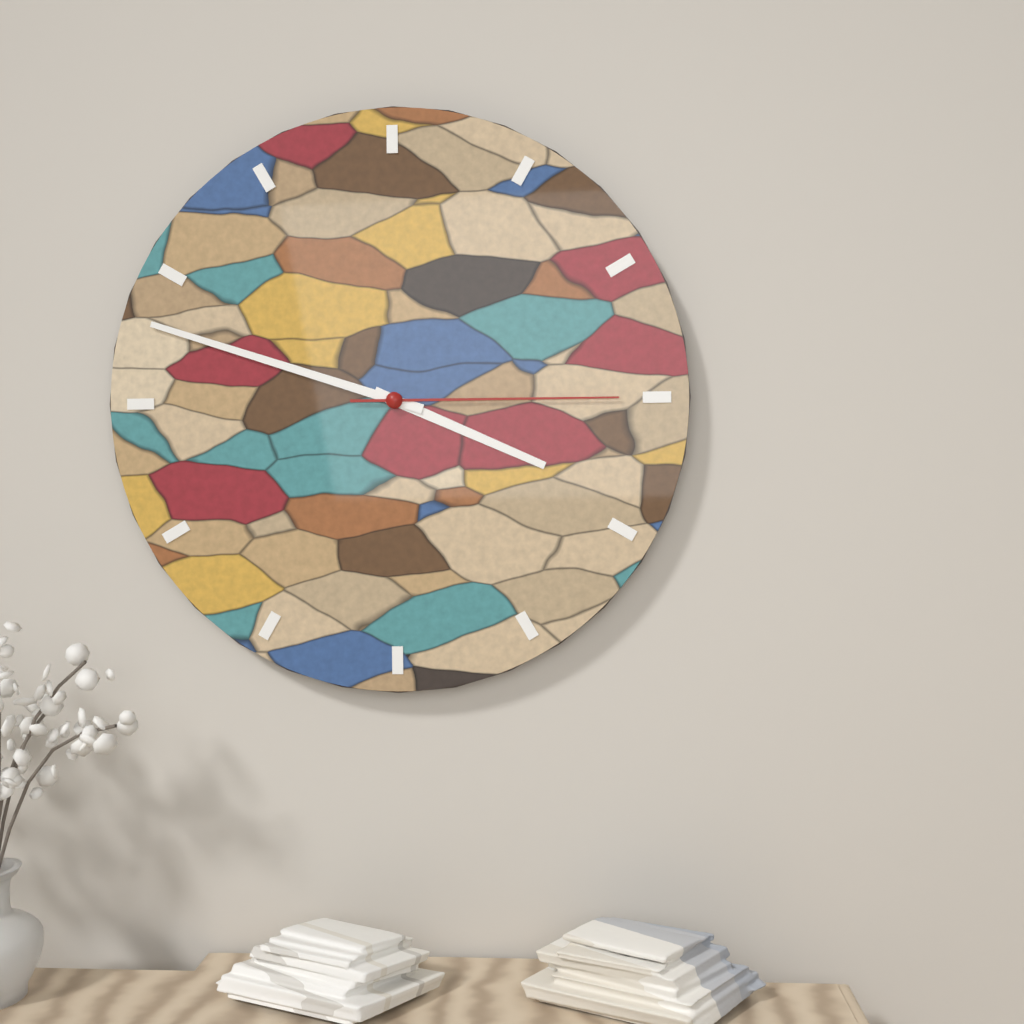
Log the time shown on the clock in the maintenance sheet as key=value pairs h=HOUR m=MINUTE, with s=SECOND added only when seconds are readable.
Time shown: h=3 m=48 s=15
